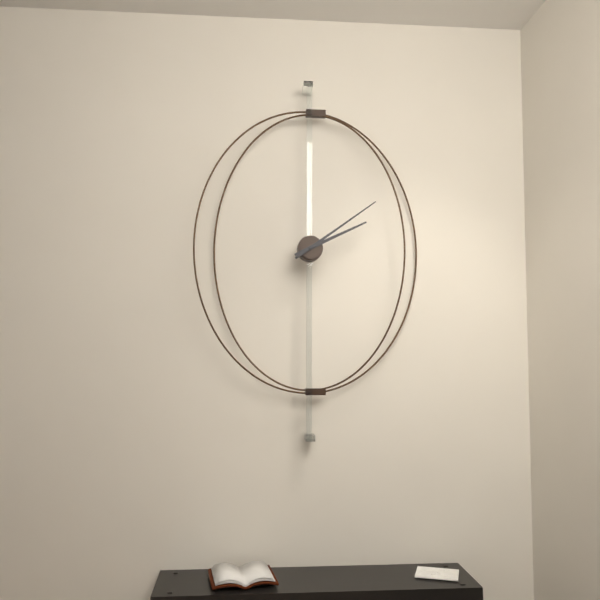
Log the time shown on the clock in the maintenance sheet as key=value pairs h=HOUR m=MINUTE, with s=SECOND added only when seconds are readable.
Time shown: h=2 m=9
